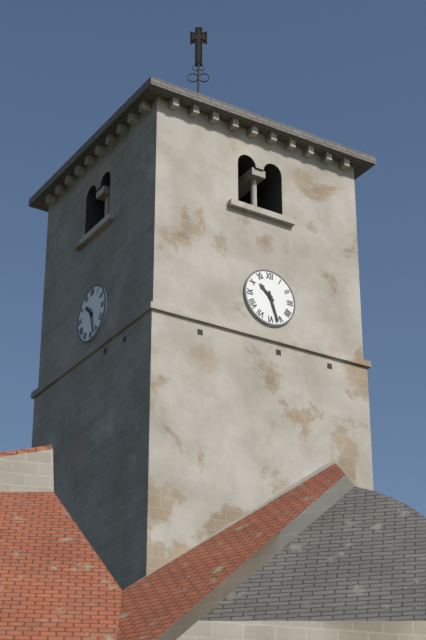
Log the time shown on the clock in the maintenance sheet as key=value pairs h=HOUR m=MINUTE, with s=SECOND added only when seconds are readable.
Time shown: h=10 m=27
